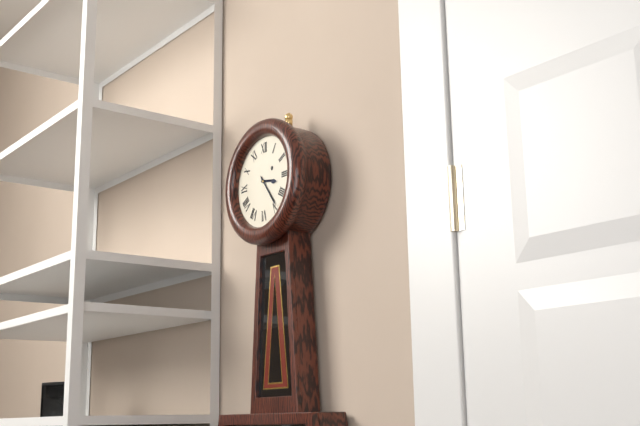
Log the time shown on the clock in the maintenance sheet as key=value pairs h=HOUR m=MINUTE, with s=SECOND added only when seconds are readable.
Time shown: h=3 m=24
